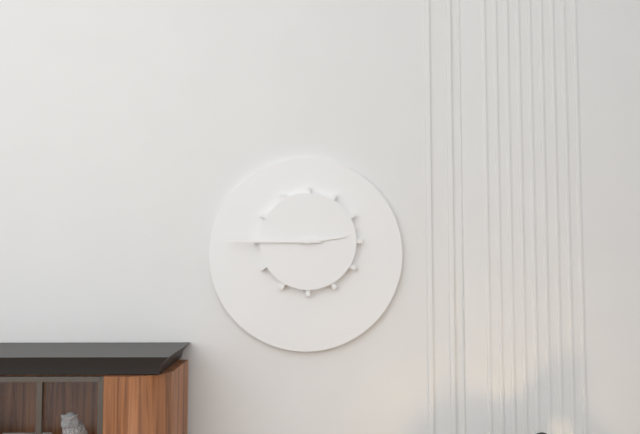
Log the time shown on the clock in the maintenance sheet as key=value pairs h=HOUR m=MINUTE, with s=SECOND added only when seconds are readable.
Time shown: h=2 m=45
